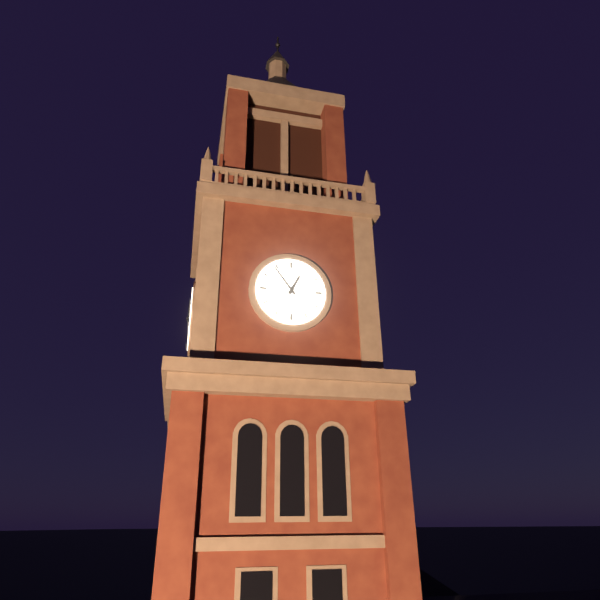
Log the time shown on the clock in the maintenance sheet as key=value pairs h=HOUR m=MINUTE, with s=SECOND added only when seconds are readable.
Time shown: h=12 m=54
